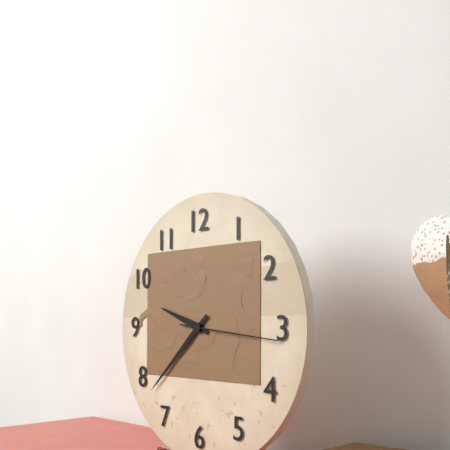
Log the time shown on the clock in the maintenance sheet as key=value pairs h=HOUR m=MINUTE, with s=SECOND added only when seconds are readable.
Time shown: h=9 m=38 s=16
